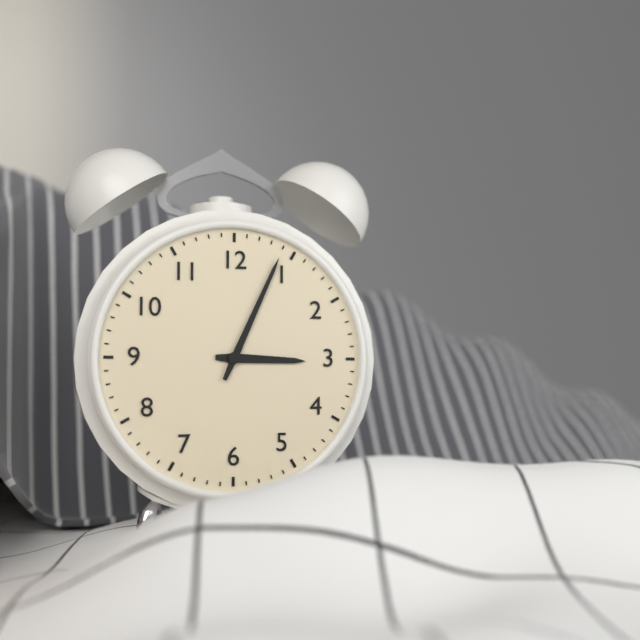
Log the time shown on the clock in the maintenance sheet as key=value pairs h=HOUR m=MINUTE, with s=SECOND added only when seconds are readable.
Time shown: h=3 m=4
